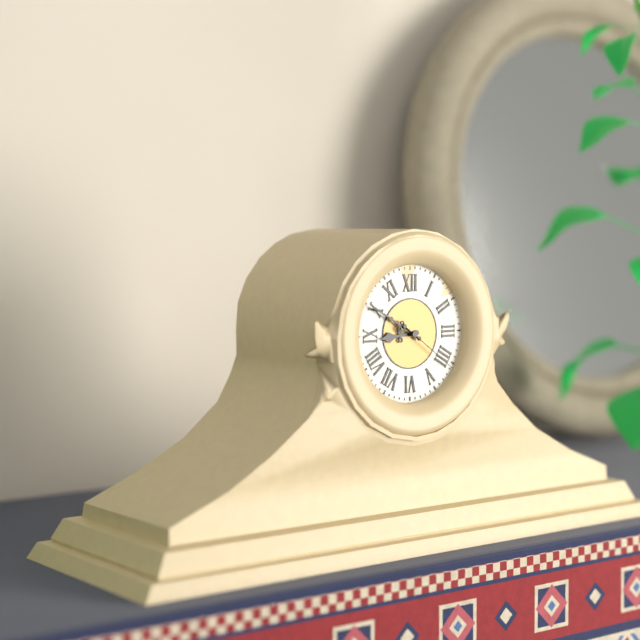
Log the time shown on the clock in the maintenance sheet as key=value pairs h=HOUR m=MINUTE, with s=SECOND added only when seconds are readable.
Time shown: h=8 m=50 s=21
